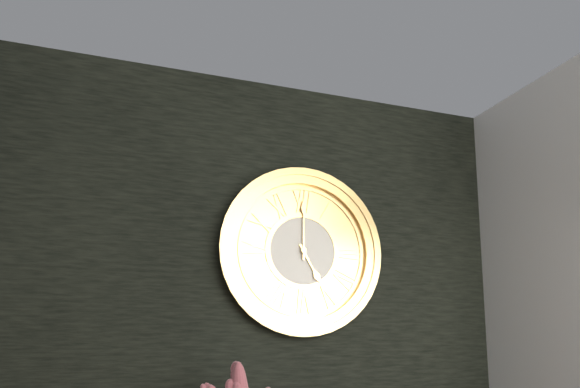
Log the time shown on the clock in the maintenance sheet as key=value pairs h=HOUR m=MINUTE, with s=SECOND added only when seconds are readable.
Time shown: h=5 m=0
